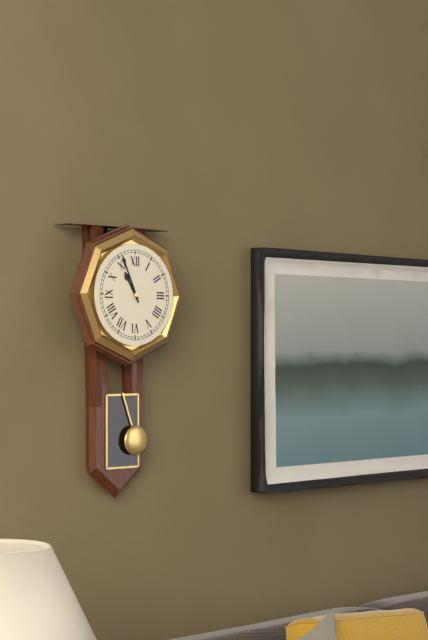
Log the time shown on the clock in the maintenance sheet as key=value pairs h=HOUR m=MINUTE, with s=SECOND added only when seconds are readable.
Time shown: h=10 m=56
